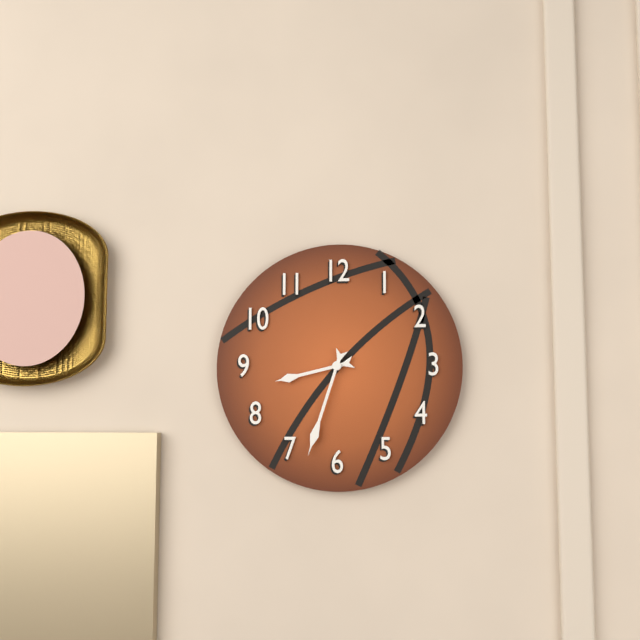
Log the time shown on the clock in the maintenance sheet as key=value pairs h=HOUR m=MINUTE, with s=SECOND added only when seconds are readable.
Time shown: h=8 m=33
